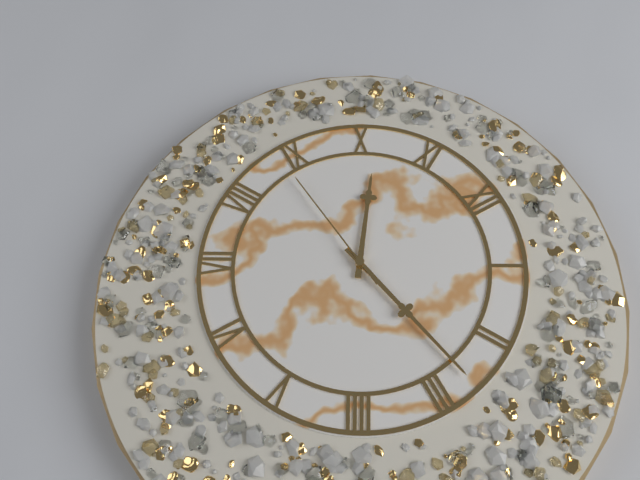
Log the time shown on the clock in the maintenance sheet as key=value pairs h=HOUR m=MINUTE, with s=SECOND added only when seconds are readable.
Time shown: h=10 m=13 s=44
